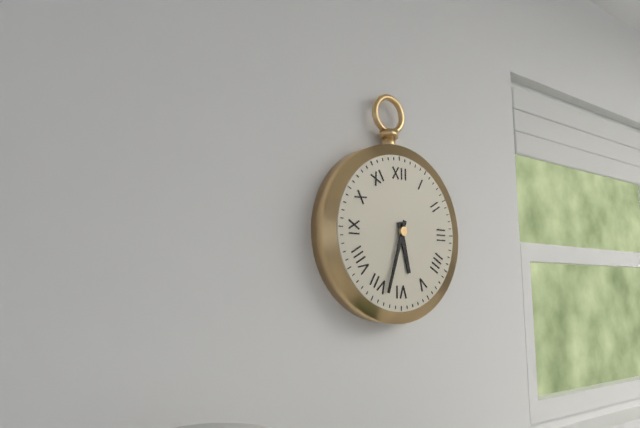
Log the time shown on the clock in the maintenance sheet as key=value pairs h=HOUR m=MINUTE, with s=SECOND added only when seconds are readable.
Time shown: h=5 m=33
